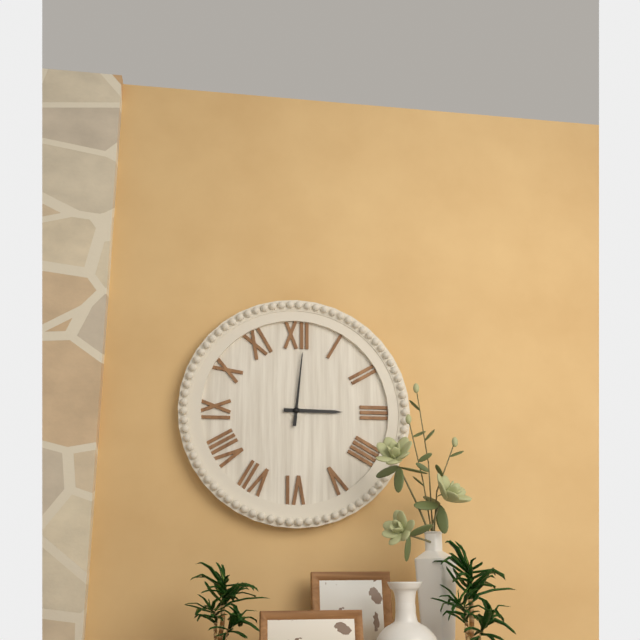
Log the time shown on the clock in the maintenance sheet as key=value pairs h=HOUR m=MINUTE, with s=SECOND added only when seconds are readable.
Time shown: h=3 m=1
